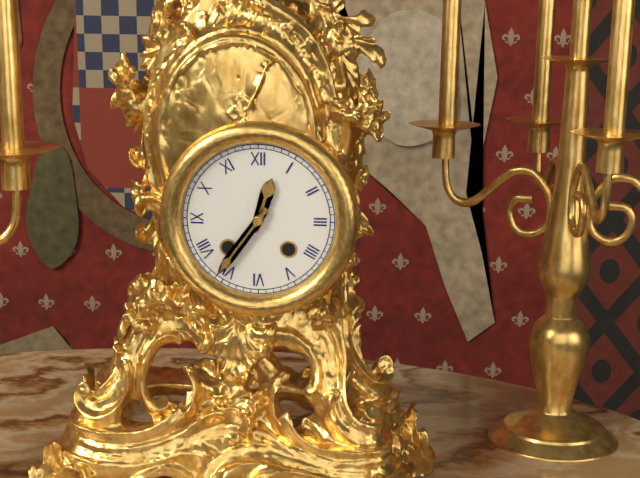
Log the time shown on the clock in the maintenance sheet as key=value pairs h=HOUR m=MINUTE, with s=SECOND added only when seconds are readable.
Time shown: h=12 m=36
